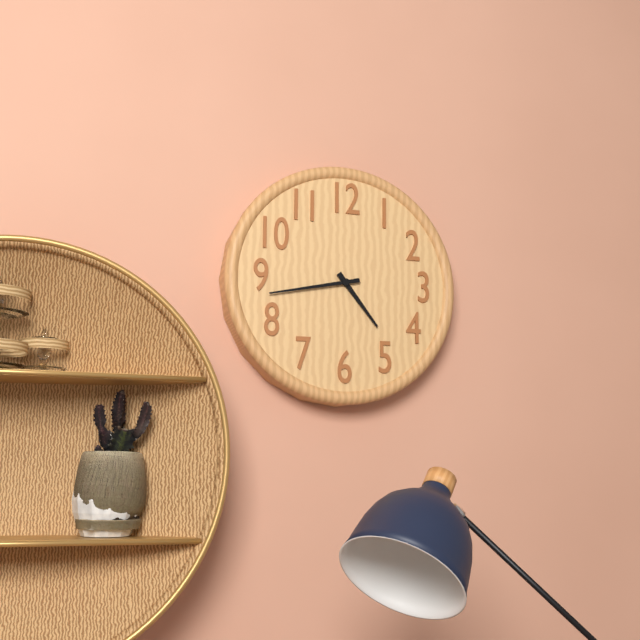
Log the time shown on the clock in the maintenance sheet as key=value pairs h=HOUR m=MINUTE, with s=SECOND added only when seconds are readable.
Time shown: h=4 m=43
